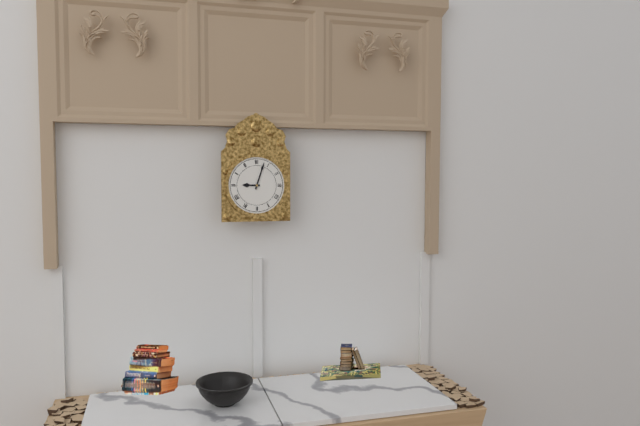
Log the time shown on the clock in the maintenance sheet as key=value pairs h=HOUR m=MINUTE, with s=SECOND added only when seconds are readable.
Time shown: h=9 m=3
